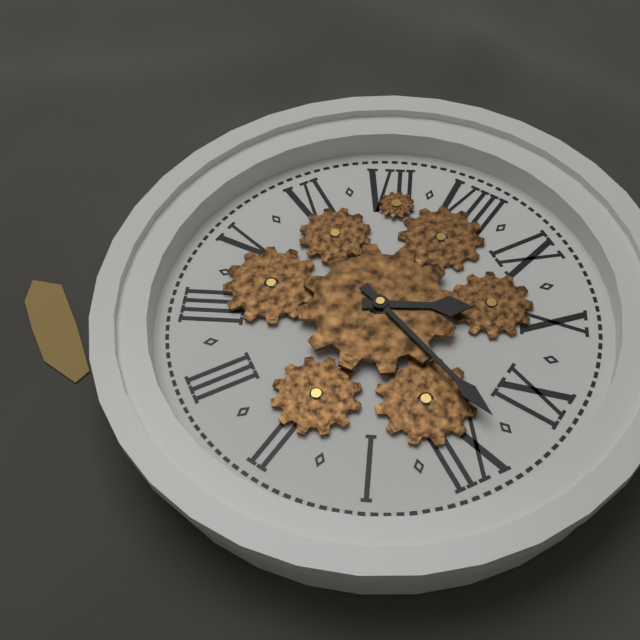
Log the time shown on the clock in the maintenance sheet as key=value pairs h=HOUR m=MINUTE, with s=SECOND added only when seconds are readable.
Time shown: h=9 m=58
